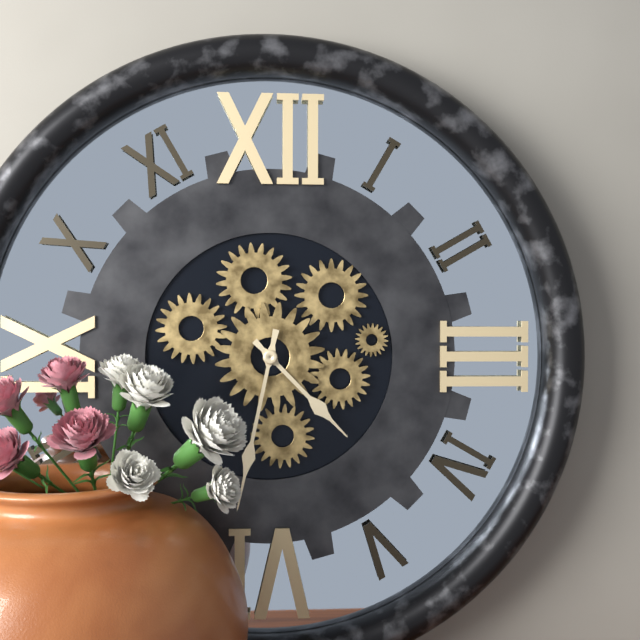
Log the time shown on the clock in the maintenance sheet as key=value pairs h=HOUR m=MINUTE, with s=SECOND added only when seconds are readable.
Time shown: h=4 m=32
